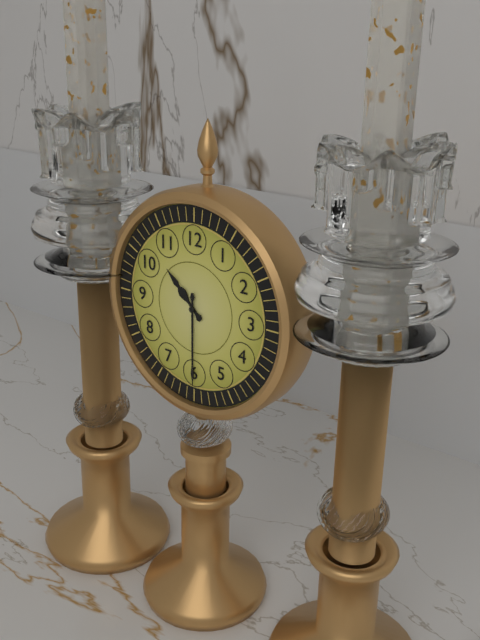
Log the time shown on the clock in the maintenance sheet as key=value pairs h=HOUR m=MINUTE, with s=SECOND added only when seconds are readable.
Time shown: h=10 m=30
